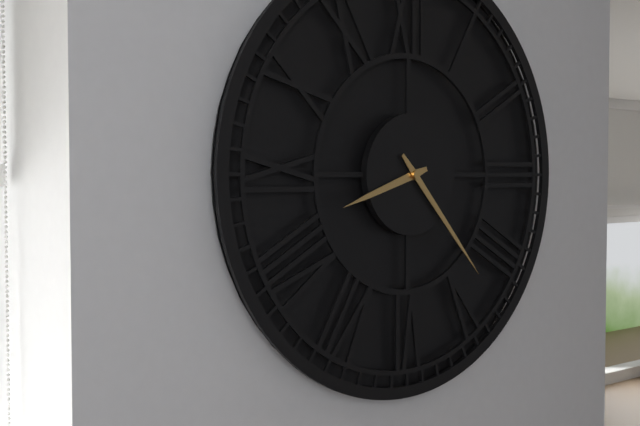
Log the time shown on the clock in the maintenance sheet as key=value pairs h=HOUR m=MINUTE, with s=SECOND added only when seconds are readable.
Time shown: h=8 m=23
